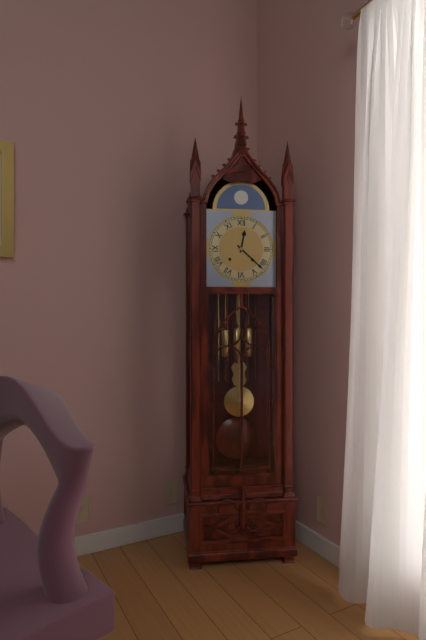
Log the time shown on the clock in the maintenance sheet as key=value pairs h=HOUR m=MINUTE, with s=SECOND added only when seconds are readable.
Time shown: h=12 m=22
